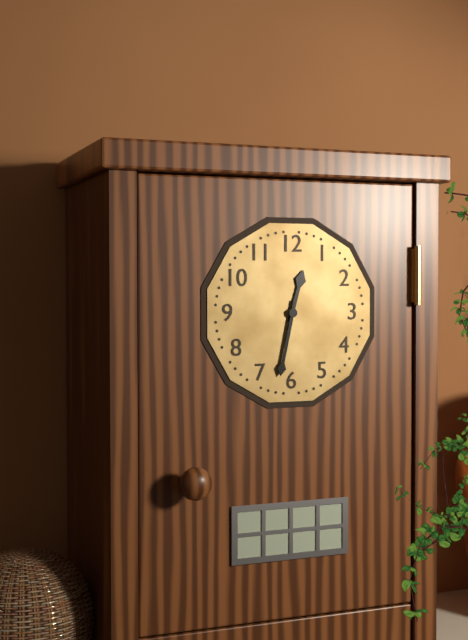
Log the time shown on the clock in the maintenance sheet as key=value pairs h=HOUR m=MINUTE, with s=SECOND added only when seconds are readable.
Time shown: h=12 m=32
